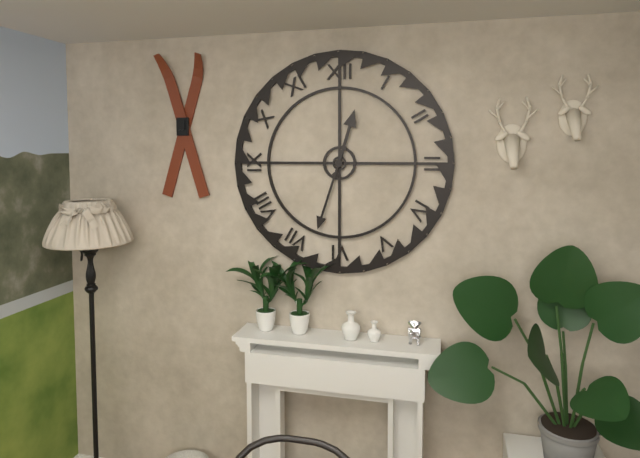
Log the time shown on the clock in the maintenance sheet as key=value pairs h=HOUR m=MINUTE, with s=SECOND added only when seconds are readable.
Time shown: h=12 m=33
